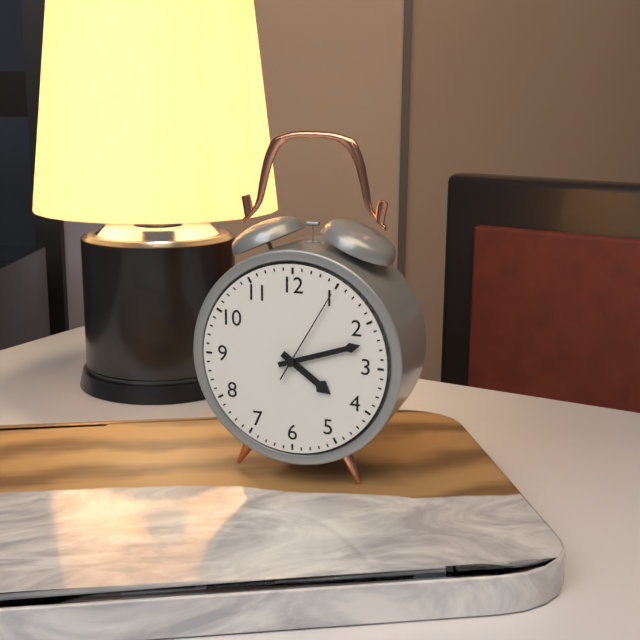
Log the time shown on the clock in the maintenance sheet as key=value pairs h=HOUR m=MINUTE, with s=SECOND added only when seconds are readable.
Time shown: h=4 m=12 s=5
